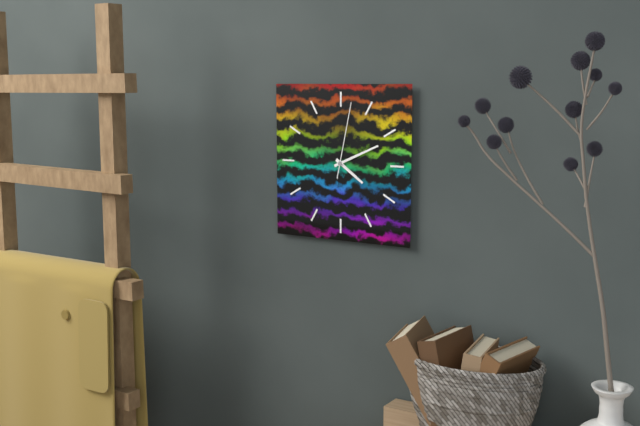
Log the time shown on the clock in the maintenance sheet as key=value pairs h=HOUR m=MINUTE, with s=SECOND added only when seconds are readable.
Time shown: h=4 m=11 s=2
